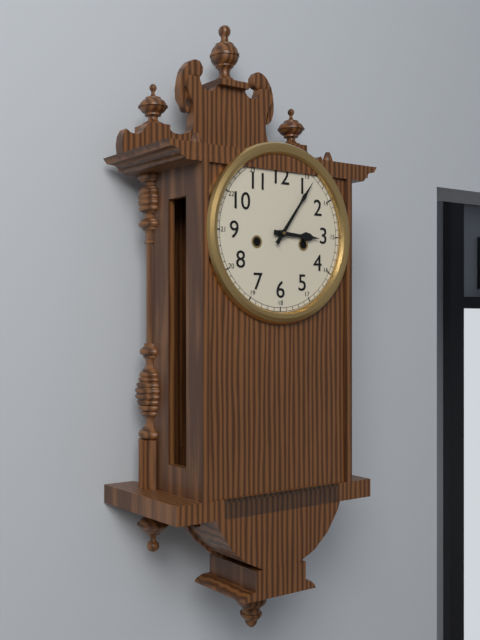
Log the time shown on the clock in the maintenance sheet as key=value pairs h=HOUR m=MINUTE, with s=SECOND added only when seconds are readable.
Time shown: h=3 m=6
